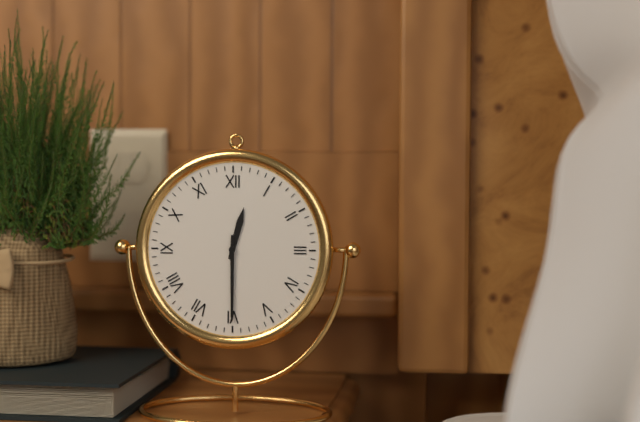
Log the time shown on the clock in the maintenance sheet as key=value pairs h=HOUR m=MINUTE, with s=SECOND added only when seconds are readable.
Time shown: h=12 m=30
